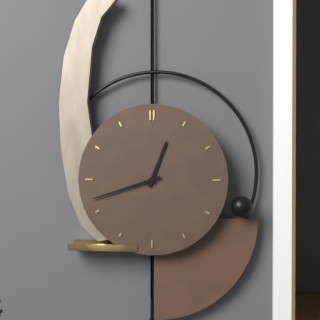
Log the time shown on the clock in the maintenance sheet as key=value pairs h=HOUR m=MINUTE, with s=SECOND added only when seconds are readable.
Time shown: h=12 m=42
